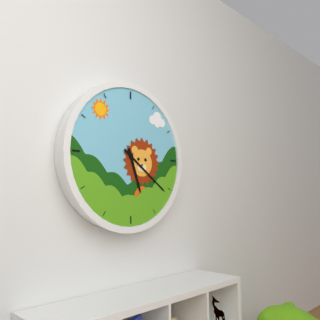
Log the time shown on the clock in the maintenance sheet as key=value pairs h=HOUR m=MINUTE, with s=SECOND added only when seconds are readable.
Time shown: h=5 m=21
